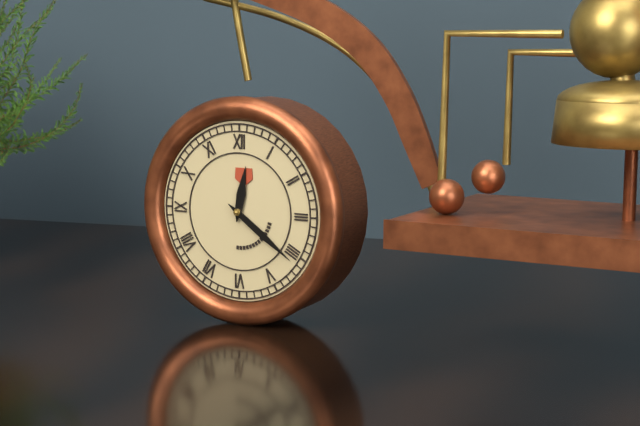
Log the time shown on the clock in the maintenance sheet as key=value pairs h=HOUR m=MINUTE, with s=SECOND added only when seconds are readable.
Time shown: h=12 m=21
